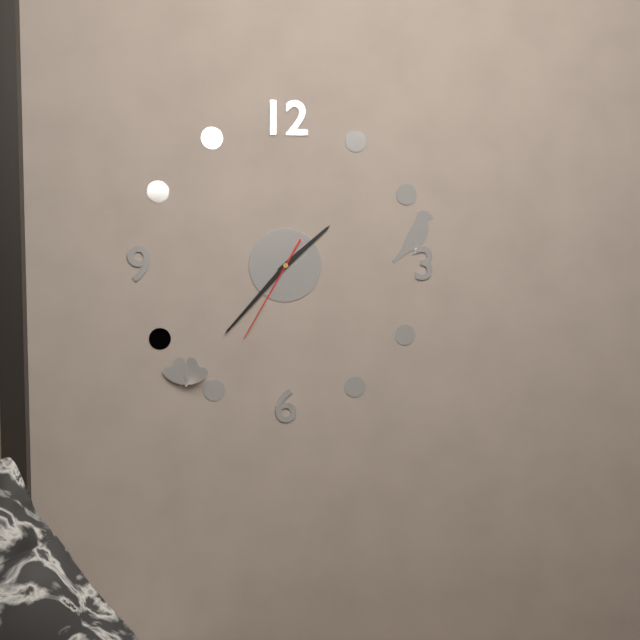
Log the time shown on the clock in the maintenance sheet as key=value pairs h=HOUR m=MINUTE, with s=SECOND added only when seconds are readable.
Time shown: h=1 m=37 s=35
